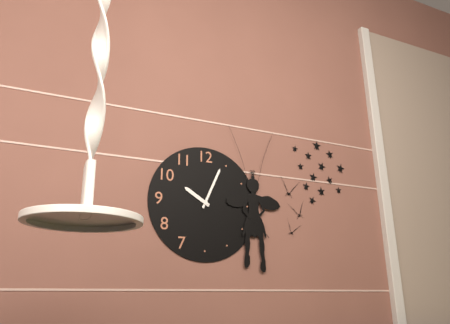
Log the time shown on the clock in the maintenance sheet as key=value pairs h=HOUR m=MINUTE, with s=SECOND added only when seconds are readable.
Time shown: h=10 m=4
